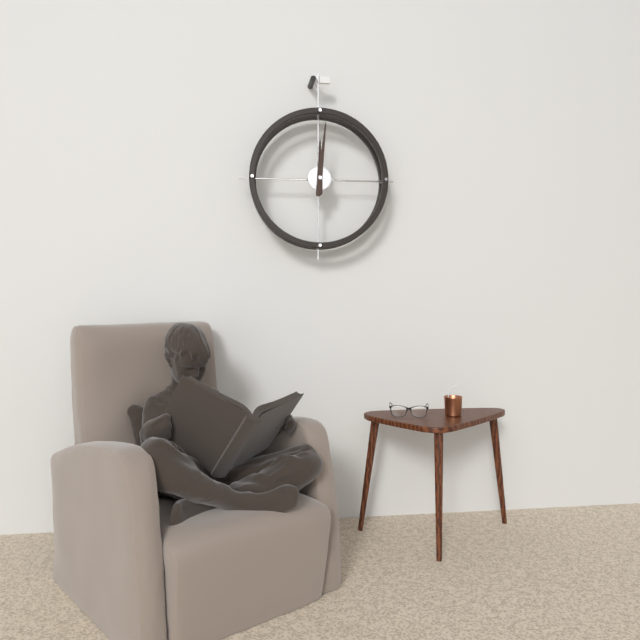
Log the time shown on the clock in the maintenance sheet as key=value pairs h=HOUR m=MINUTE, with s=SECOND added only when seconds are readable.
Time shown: h=12 m=1
